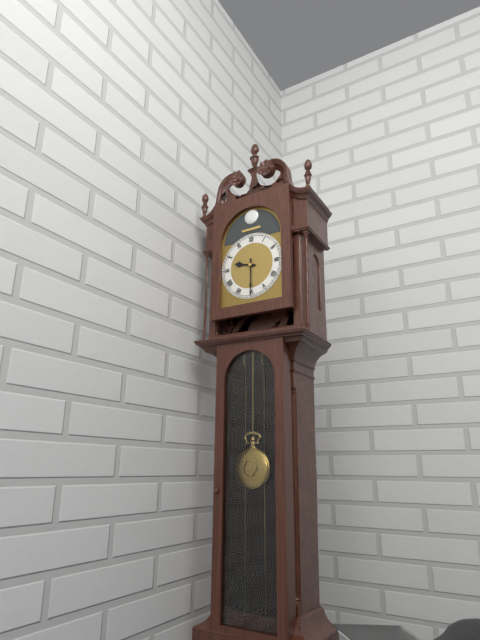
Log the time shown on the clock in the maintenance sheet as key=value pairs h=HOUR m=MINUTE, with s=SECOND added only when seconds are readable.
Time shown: h=9 m=30
